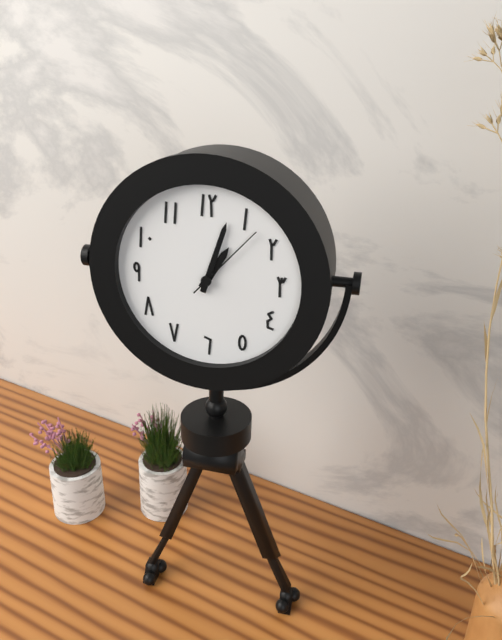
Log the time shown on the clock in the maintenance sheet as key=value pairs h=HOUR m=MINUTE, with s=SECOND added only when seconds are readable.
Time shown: h=1 m=3 s=7
